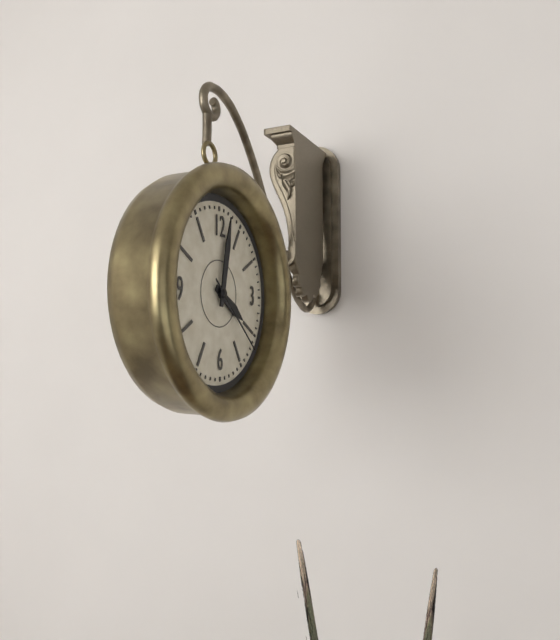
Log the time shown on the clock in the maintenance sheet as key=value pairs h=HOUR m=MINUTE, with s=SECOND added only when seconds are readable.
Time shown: h=4 m=2 s=22
